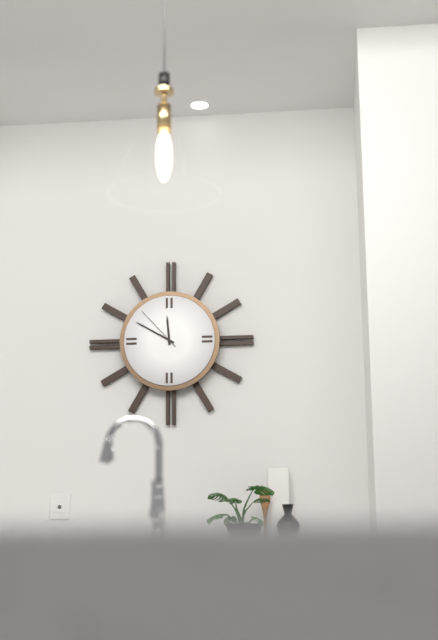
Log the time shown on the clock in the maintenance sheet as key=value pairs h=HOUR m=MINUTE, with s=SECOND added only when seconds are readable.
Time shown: h=11 m=50 s=53
